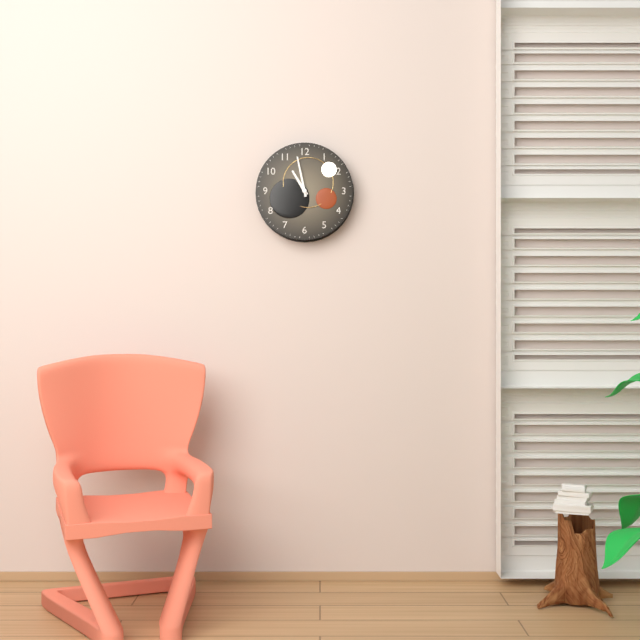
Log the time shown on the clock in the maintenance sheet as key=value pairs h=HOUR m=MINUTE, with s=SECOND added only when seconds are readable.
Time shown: h=10 m=58
